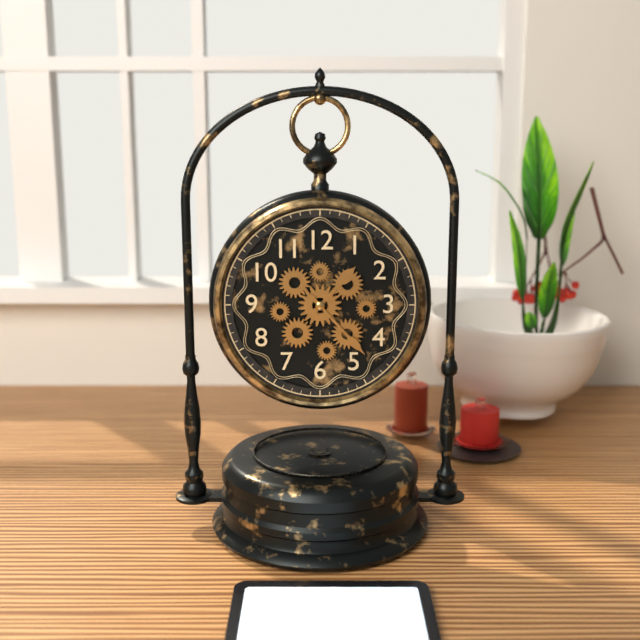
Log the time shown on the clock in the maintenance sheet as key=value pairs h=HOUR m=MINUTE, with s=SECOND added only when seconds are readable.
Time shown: h=1 m=23
